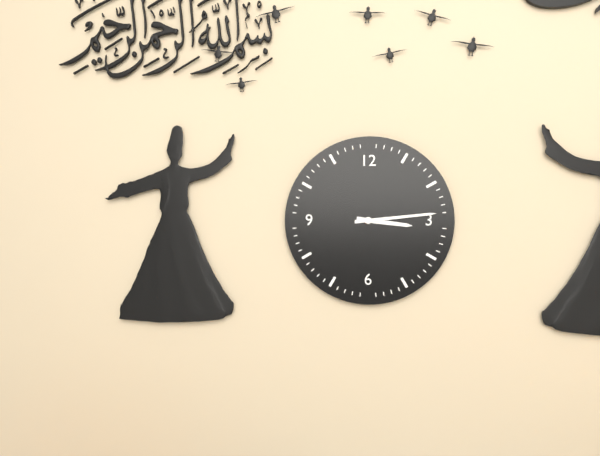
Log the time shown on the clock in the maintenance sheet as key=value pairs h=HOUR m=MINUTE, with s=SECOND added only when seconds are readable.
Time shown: h=3 m=14
